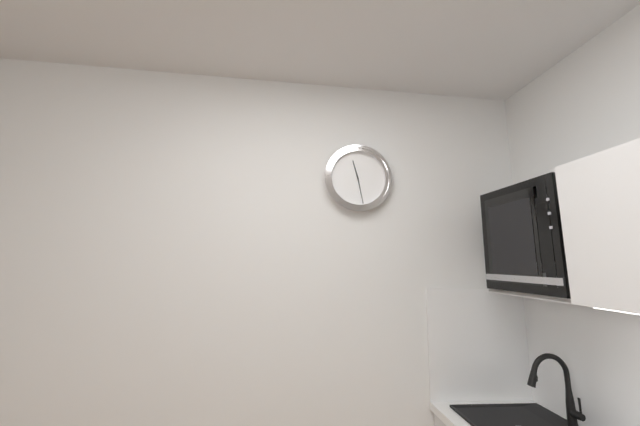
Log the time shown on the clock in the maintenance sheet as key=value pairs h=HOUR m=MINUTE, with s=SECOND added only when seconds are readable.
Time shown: h=11 m=28
